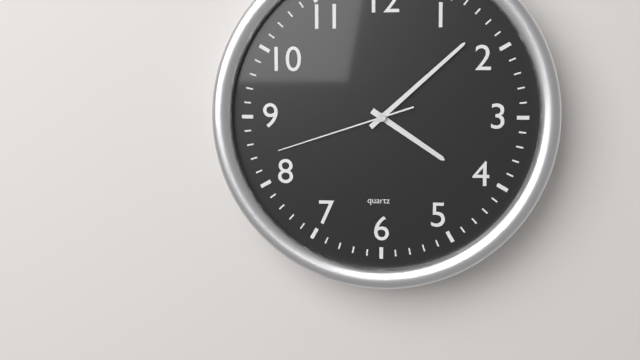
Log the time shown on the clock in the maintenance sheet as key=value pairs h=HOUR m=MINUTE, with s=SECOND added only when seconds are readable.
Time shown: h=4 m=8 s=42
